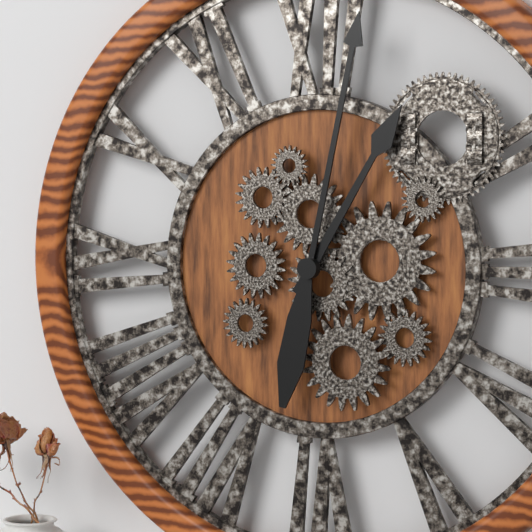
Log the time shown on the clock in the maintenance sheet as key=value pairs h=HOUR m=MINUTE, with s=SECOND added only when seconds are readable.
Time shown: h=1 m=2
